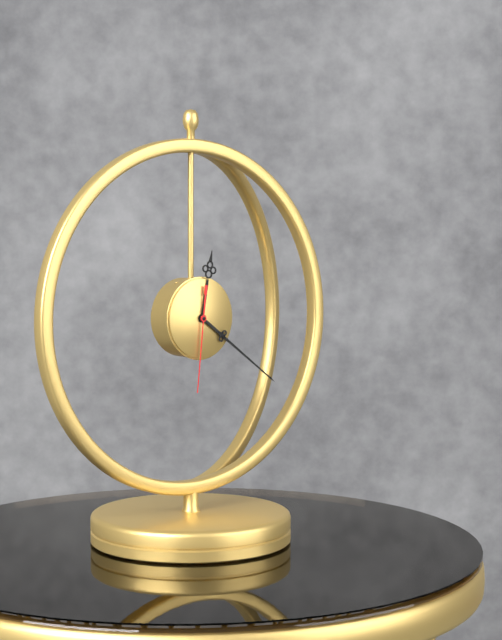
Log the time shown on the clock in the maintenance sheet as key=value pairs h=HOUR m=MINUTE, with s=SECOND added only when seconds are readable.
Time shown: h=12 m=21 s=31
